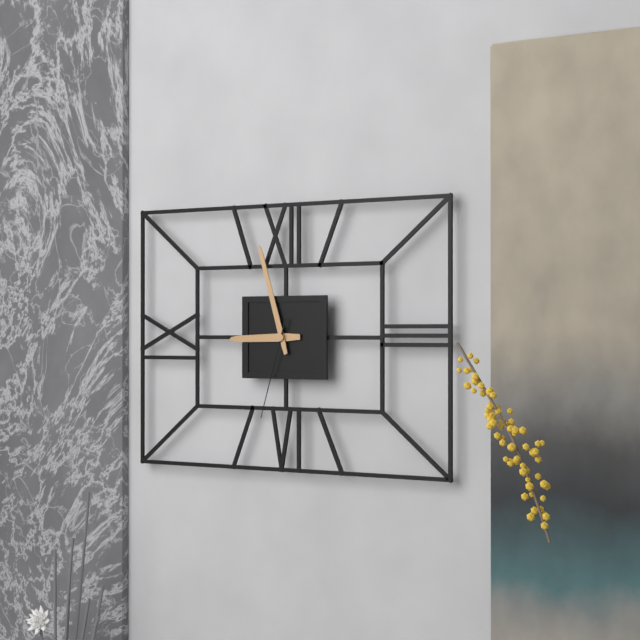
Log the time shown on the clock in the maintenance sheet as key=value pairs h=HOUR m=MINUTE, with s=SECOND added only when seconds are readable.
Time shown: h=8 m=57 s=33
